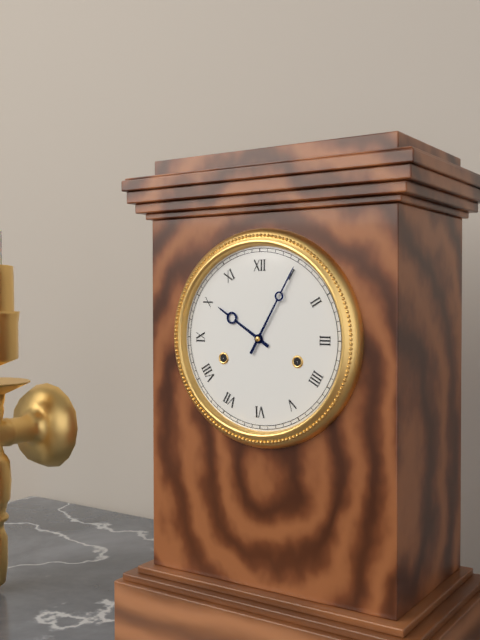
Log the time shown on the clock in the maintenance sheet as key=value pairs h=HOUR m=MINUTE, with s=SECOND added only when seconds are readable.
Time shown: h=10 m=5
